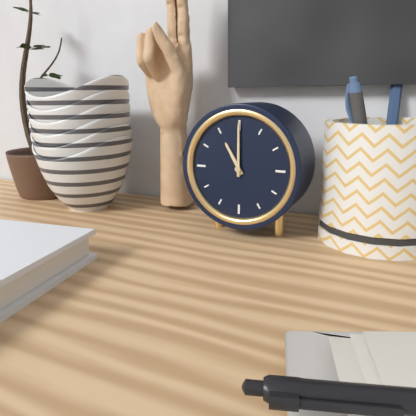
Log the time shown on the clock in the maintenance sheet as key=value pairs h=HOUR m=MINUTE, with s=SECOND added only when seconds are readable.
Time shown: h=11 m=0
